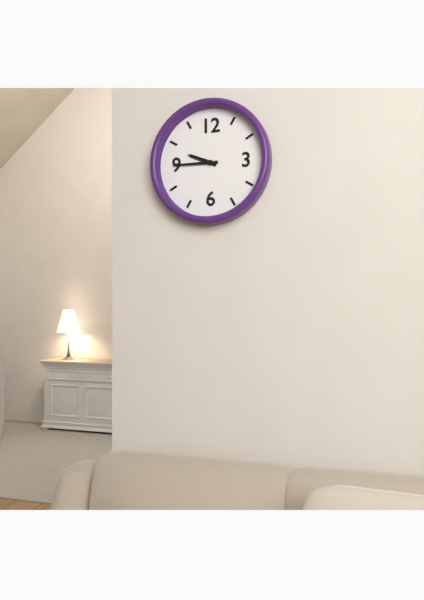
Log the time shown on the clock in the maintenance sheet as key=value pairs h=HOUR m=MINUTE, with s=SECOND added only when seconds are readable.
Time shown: h=9 m=45
